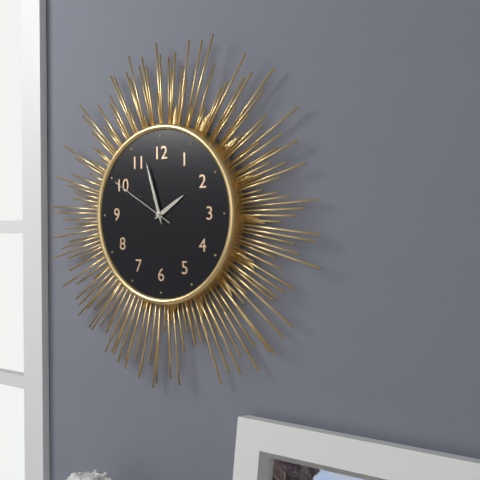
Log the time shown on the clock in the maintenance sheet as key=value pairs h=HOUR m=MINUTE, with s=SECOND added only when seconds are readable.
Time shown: h=1 m=57 s=50
